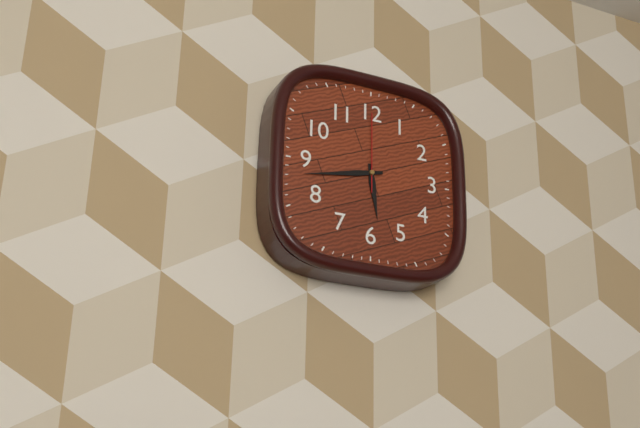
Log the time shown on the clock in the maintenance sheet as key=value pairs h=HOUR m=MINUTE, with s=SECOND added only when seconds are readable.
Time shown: h=5 m=43 s=0
